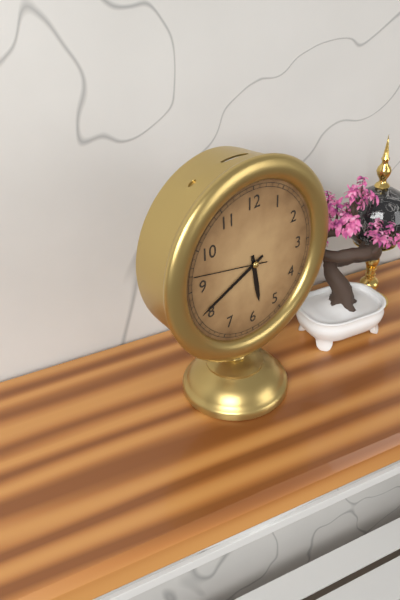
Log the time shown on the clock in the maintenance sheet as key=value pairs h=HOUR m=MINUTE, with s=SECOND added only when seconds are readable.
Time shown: h=5 m=41 s=47
